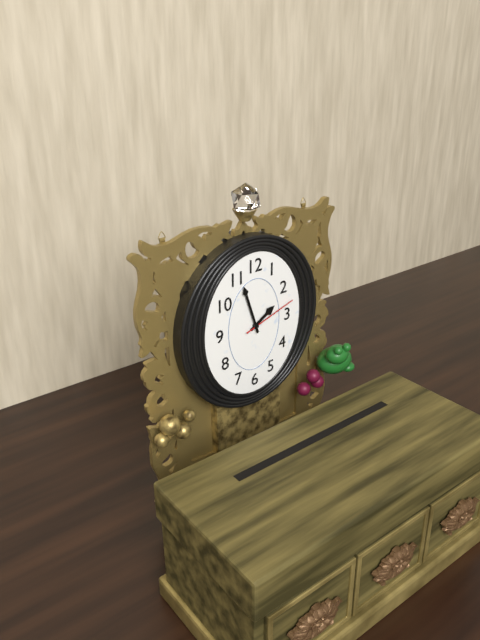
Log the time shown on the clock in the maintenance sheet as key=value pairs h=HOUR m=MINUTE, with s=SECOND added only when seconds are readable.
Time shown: h=1 m=57 s=12
